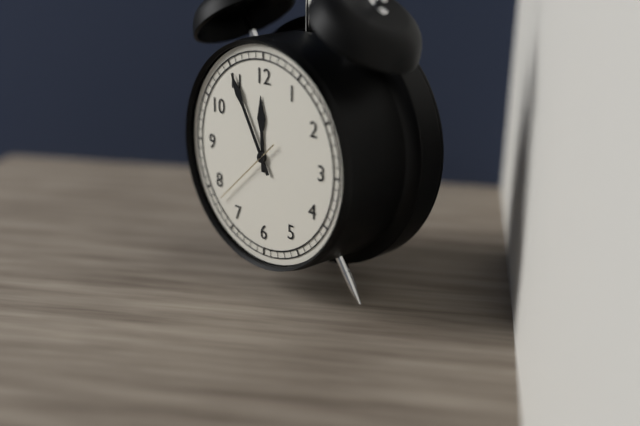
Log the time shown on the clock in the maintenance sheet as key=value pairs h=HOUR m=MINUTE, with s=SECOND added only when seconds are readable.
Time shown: h=11 m=55 s=38
